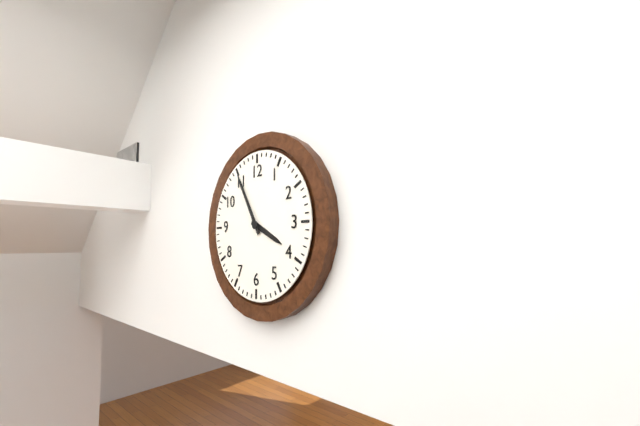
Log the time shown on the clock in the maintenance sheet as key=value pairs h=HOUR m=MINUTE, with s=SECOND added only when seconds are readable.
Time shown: h=3 m=55
